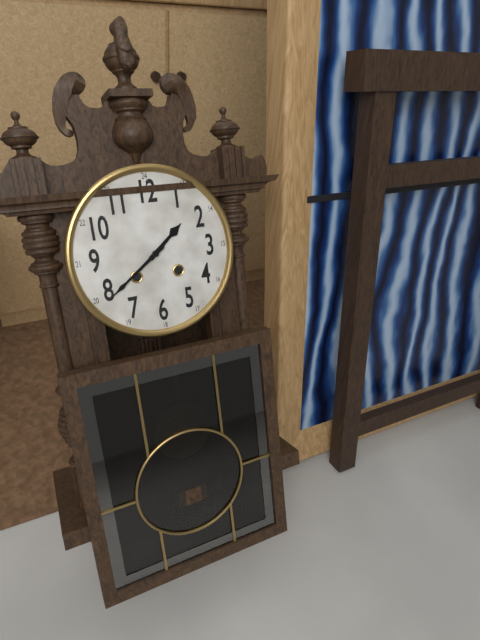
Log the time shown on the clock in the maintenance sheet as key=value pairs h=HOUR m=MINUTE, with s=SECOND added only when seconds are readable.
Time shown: h=1 m=39
